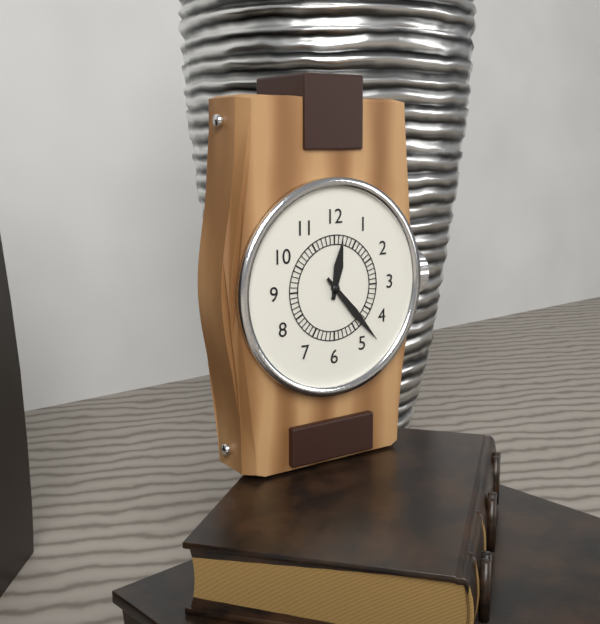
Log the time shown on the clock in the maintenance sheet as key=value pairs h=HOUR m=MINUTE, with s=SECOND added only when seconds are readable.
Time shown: h=12 m=23
